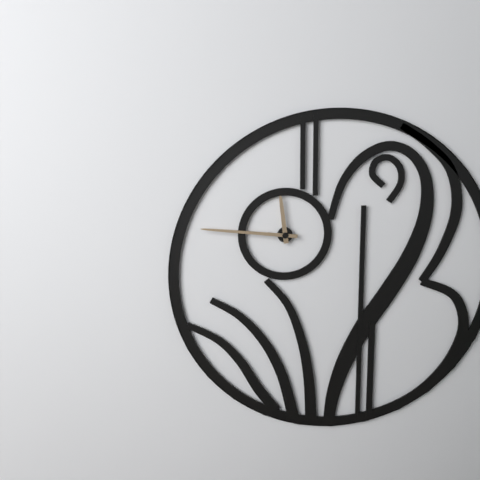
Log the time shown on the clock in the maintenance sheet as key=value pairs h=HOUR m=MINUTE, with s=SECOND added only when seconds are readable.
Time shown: h=11 m=46
